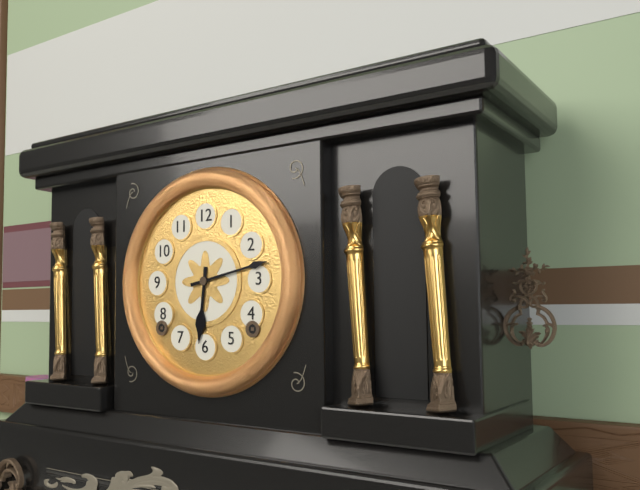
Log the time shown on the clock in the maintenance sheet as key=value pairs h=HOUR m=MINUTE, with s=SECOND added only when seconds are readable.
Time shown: h=6 m=13
